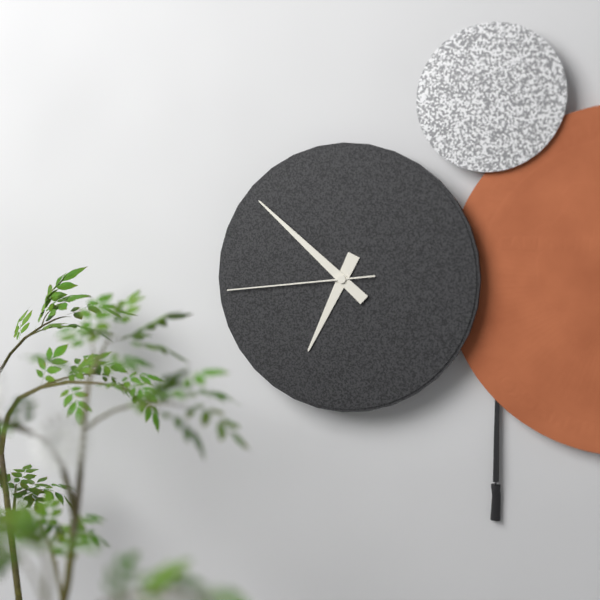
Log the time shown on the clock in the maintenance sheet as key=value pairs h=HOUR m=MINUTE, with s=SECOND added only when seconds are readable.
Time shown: h=6 m=52 s=44
